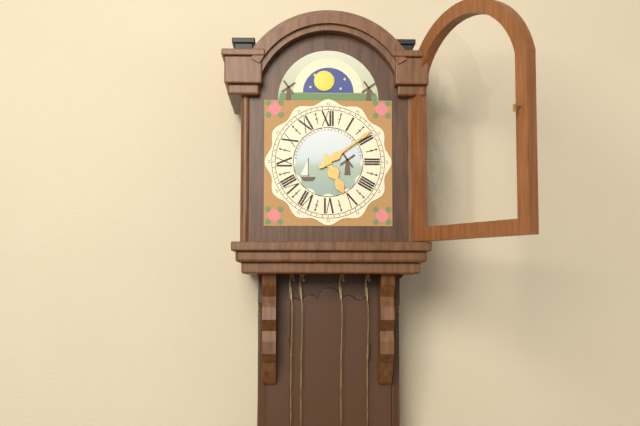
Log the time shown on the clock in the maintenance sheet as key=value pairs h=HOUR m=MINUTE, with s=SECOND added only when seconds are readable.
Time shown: h=5 m=9
